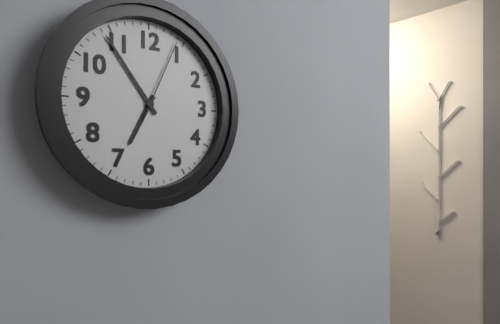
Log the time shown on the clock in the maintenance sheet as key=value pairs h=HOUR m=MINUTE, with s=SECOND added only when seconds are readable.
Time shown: h=6 m=54 s=4
